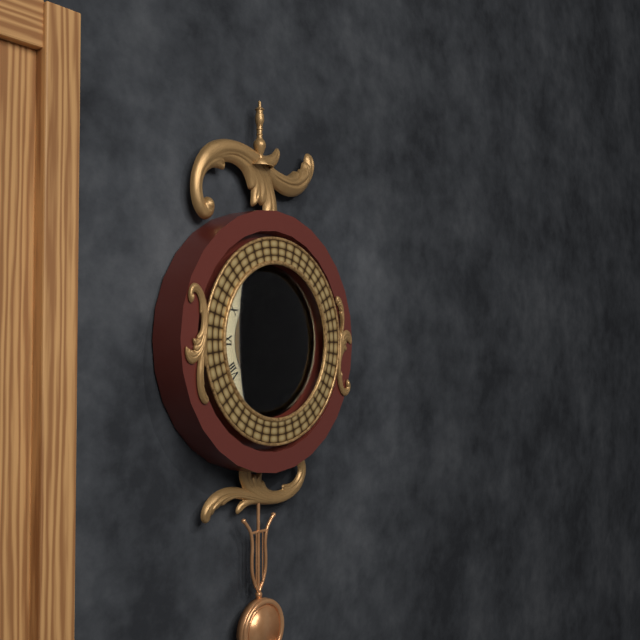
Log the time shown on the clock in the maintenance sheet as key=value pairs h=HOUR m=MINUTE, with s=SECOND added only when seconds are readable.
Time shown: h=4 m=10 s=26
